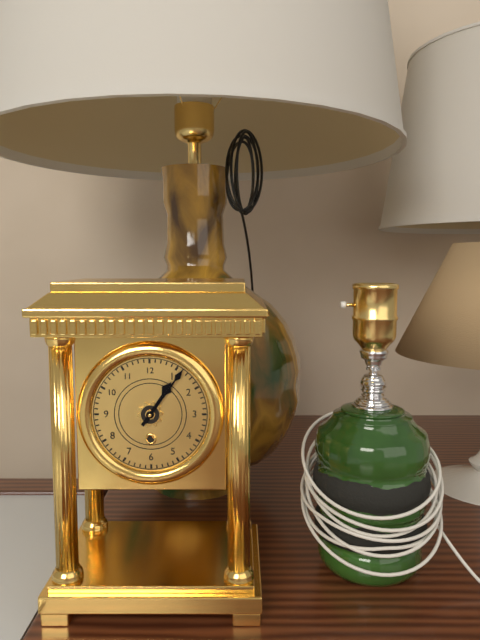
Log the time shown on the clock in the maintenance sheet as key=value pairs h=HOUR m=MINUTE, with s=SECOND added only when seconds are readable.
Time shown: h=1 m=6
